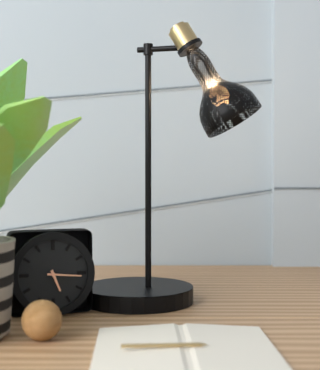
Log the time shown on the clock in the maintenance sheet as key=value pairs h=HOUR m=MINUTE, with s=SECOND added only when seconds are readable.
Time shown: h=5 m=16
